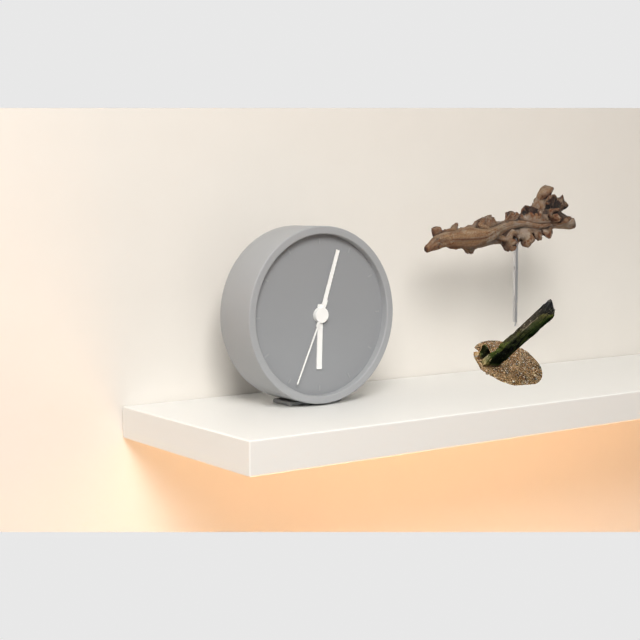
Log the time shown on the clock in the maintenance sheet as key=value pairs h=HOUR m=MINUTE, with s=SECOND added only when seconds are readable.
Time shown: h=6 m=3 s=34
